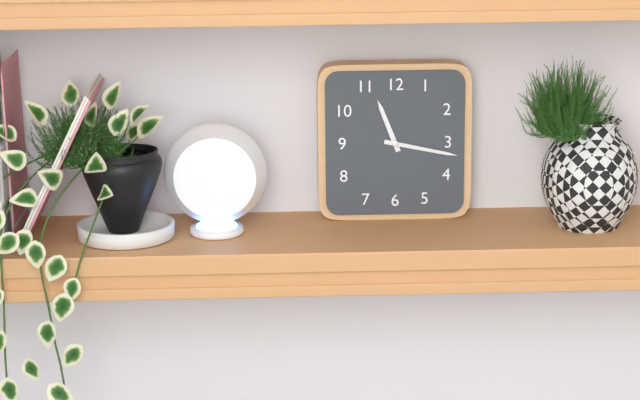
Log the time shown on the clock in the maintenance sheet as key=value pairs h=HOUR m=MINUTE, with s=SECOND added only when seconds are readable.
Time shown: h=11 m=17
